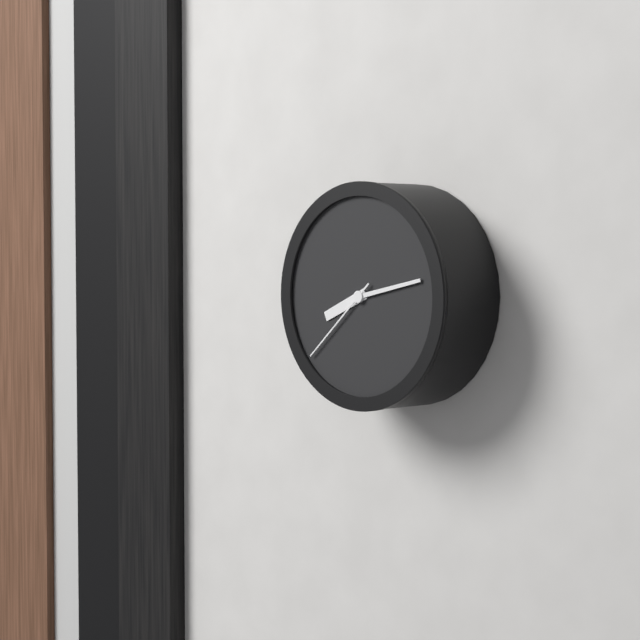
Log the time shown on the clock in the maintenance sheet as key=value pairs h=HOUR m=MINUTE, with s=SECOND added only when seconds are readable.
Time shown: h=8 m=13 s=38
